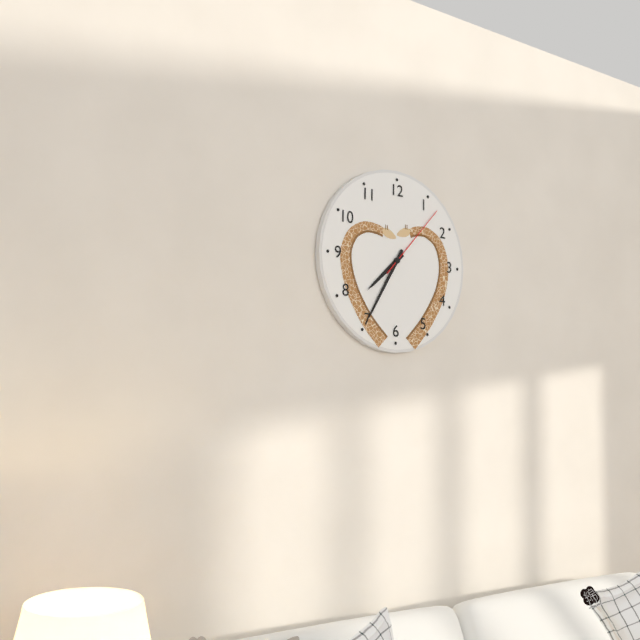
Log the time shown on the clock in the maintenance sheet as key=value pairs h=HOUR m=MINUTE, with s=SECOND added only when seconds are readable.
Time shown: h=7 m=35 s=7
